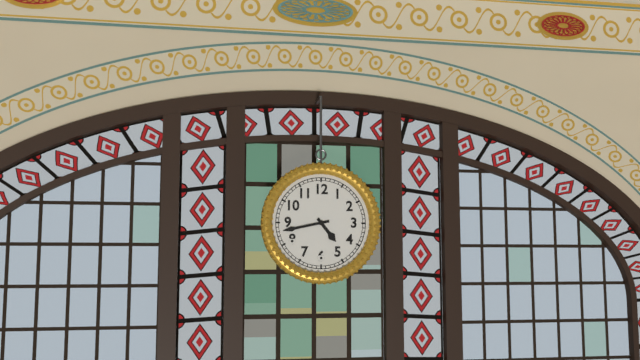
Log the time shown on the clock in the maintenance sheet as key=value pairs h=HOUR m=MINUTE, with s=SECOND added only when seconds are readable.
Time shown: h=4 m=43
